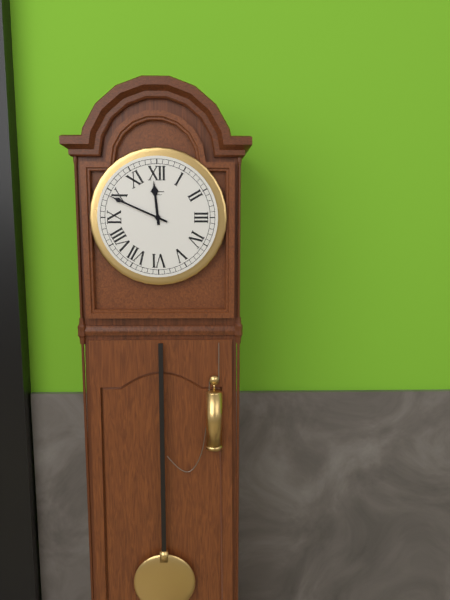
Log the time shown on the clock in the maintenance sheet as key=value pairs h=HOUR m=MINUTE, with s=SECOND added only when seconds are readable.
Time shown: h=11 m=49
